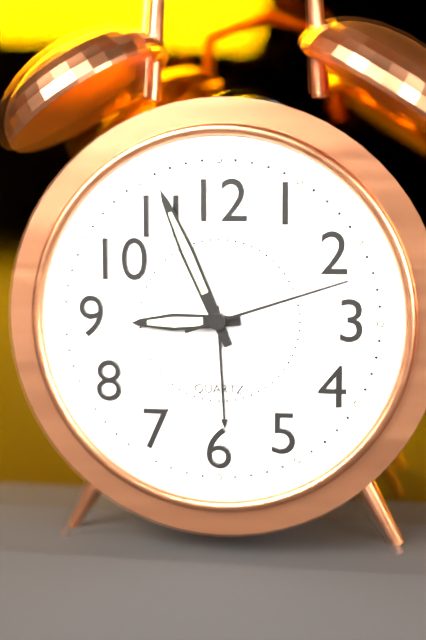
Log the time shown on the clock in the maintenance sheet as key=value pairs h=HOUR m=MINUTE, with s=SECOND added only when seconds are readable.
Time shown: h=8 m=56 s=12
